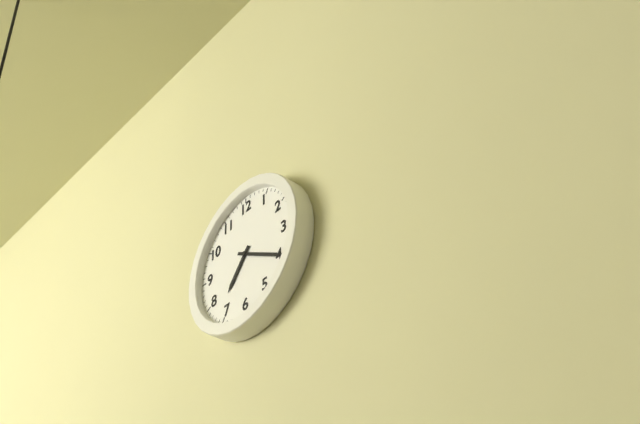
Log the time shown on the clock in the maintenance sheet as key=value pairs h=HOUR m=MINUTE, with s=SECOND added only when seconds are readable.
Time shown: h=7 m=20
